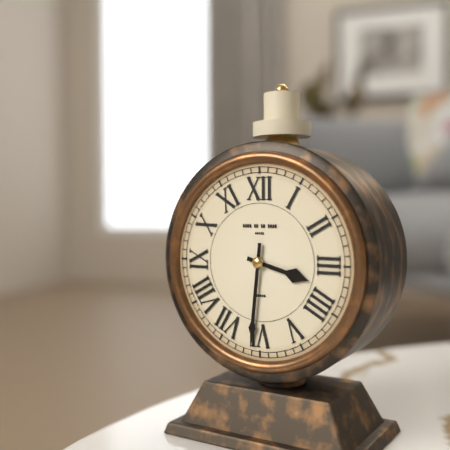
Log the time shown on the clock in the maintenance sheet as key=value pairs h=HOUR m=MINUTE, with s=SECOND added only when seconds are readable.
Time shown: h=3 m=31
